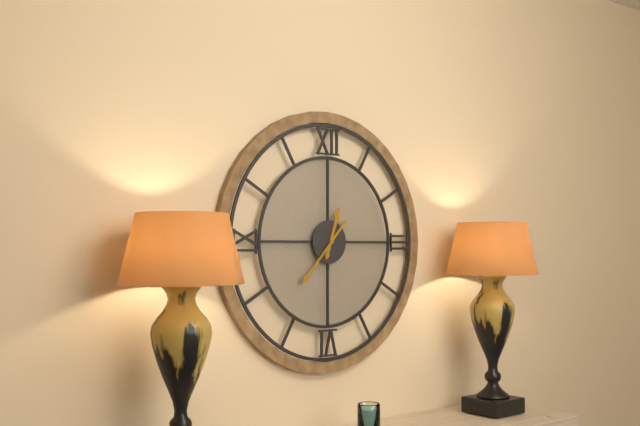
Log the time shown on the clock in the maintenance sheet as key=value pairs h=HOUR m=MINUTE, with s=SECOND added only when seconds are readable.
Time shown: h=12 m=37
